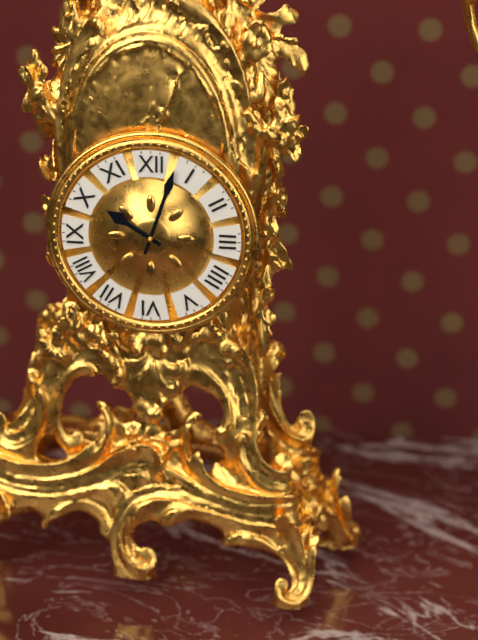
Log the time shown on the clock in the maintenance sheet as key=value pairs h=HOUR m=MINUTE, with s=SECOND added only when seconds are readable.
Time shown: h=10 m=3
